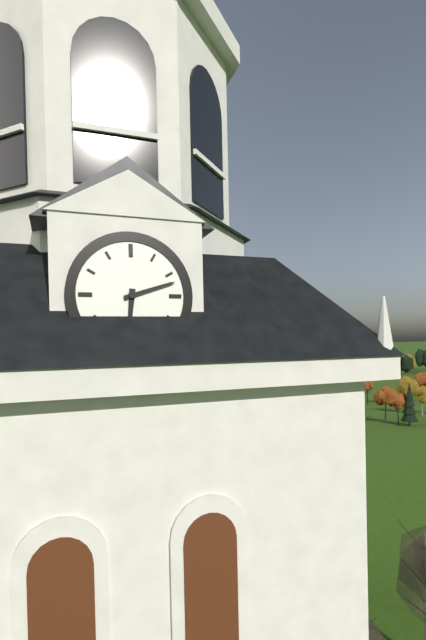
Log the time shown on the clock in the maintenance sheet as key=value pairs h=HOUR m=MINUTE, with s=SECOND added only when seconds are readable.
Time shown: h=6 m=12
